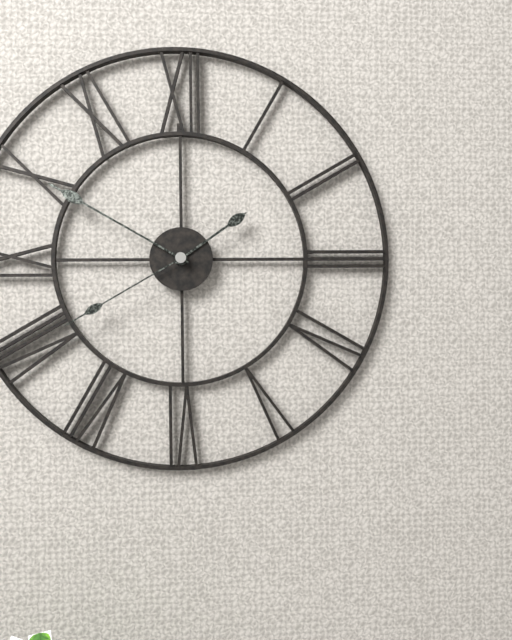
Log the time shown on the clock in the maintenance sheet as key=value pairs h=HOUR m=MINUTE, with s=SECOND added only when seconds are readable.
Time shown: h=1 m=50 s=40
